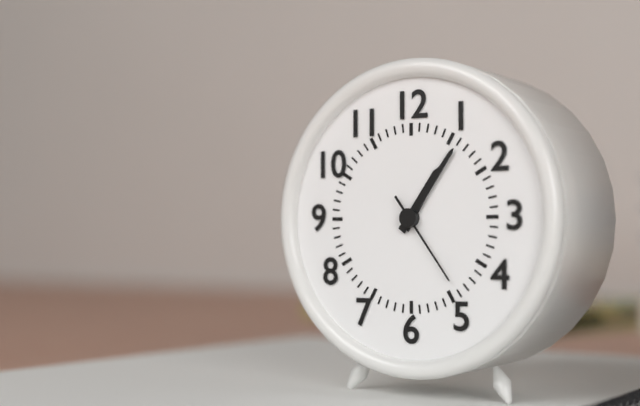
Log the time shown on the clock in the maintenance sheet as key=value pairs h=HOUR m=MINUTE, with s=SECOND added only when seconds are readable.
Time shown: h=1 m=6 s=24
